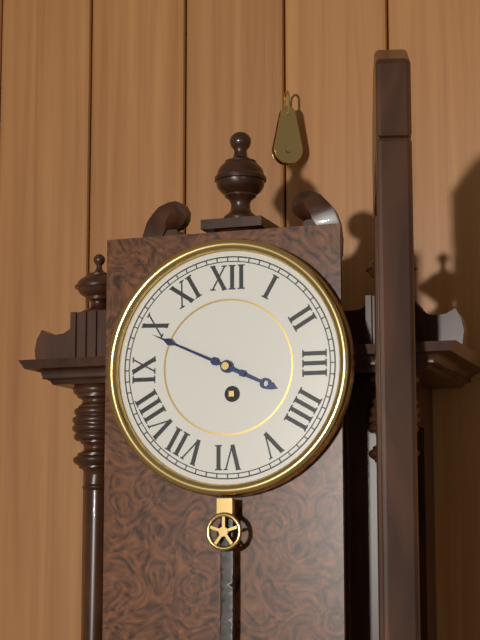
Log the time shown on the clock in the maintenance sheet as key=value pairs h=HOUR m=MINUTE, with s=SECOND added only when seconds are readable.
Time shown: h=3 m=49
